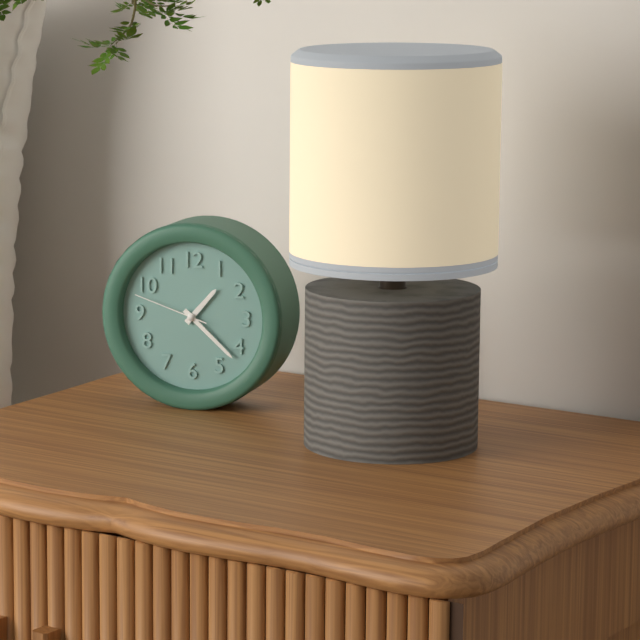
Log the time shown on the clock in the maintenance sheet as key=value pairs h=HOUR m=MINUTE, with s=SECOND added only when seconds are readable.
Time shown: h=1 m=22 s=48
